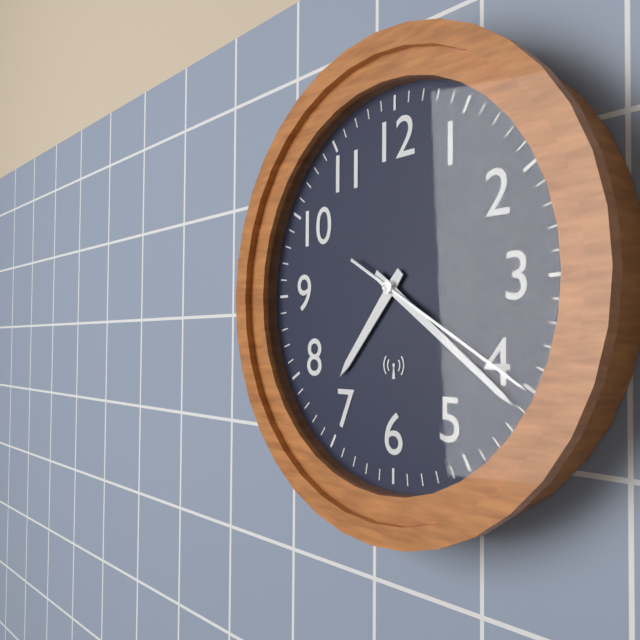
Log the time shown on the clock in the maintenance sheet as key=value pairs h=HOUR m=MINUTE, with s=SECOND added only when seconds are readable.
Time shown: h=7 m=21 s=20
